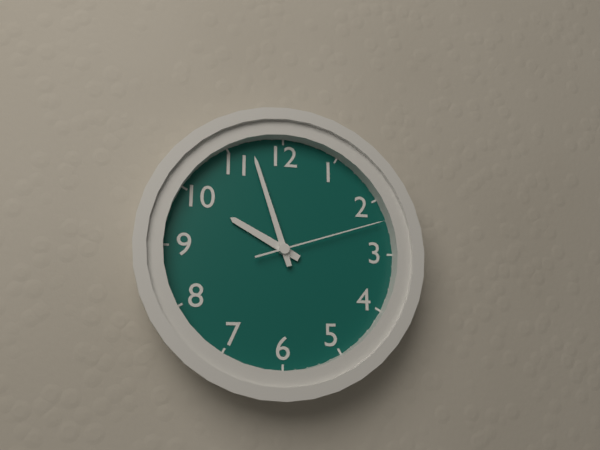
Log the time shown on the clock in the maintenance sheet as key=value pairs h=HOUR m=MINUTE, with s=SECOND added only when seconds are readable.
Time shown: h=9 m=57 s=12
